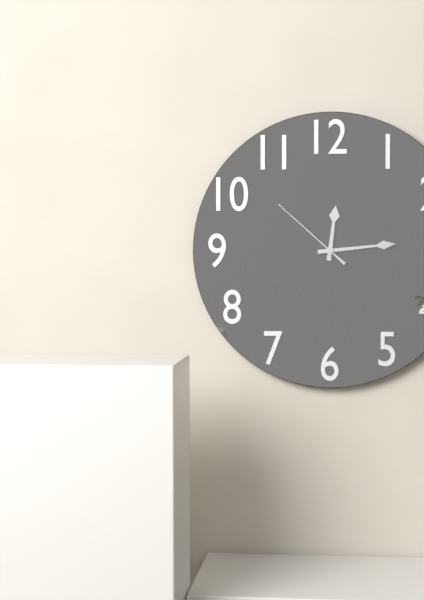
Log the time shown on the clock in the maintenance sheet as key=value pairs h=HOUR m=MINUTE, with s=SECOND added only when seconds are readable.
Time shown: h=12 m=14 s=52
